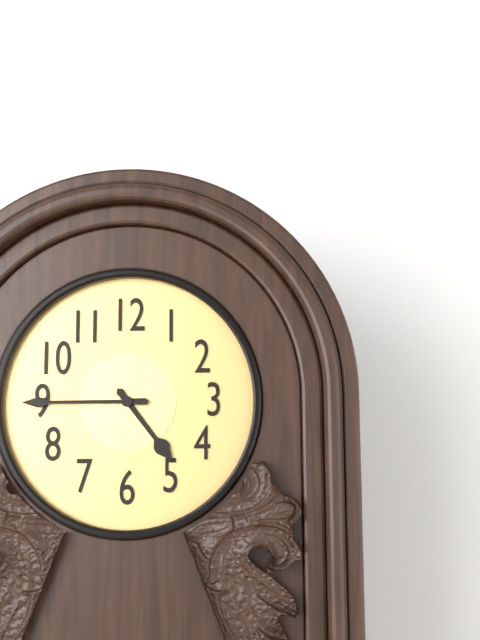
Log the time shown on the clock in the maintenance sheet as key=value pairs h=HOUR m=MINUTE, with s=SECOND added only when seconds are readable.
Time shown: h=4 m=45
